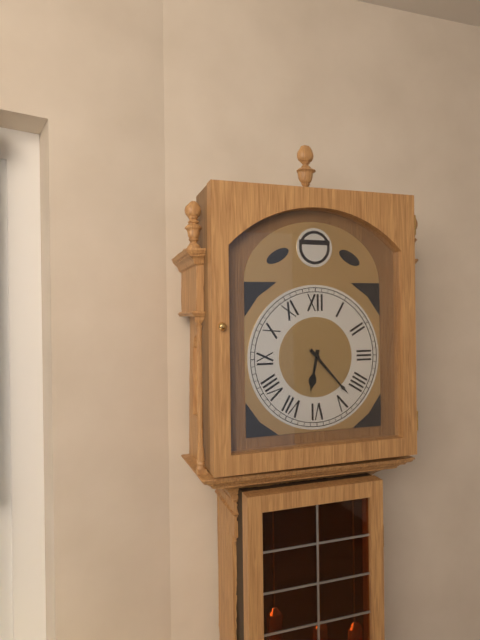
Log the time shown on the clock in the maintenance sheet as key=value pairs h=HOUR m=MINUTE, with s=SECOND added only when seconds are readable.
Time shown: h=6 m=23
